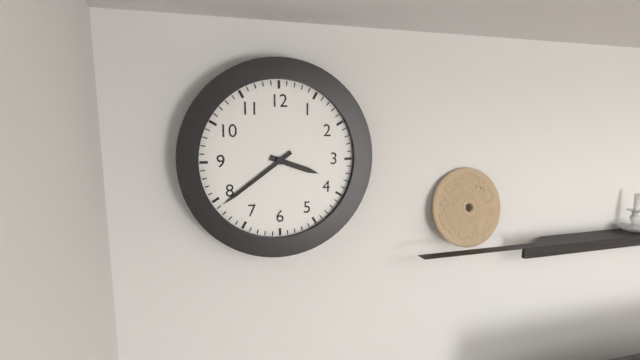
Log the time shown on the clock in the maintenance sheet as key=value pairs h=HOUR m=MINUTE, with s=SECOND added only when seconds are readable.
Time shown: h=3 m=39
